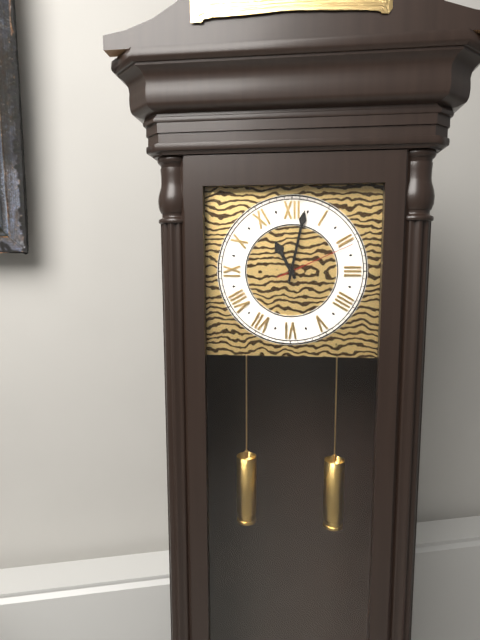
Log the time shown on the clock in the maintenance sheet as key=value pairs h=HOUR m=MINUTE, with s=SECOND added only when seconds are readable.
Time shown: h=11 m=2 s=11
